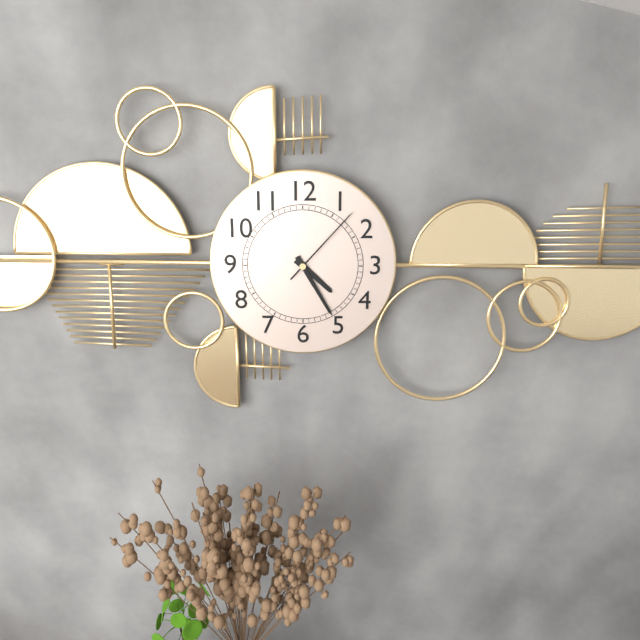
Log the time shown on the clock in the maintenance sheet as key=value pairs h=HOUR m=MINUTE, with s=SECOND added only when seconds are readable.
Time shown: h=4 m=25 s=7
